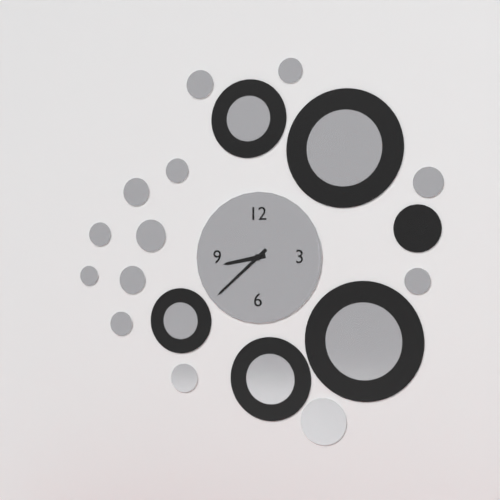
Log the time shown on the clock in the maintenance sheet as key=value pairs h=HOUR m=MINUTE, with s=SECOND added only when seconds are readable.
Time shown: h=8 m=38
